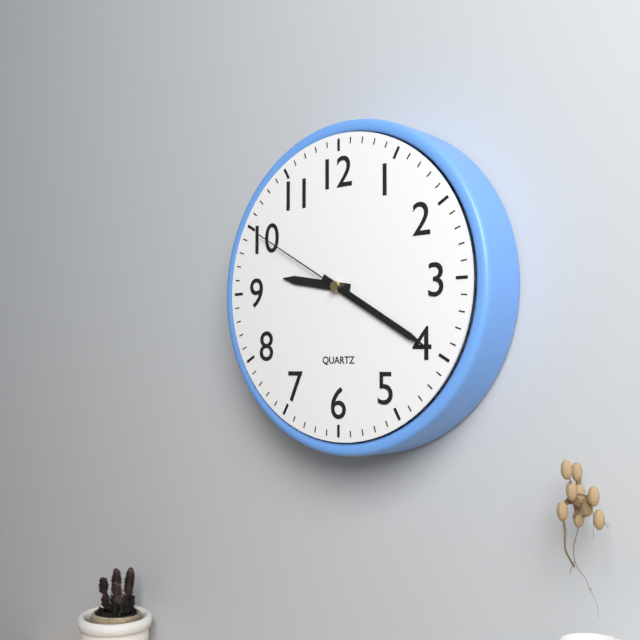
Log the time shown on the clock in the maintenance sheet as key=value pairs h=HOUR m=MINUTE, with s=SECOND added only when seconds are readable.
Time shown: h=9 m=20 s=50
